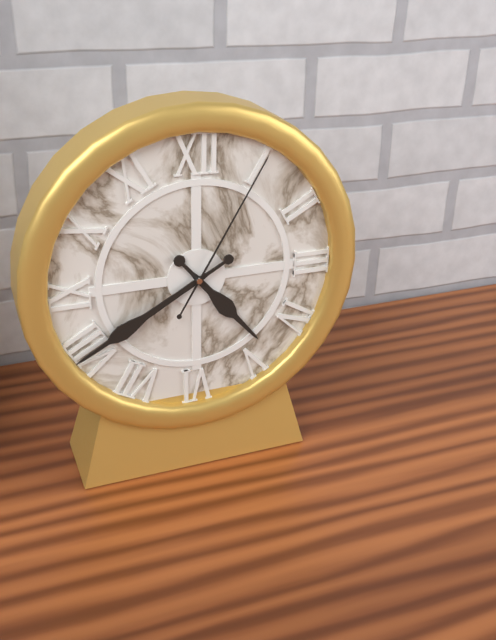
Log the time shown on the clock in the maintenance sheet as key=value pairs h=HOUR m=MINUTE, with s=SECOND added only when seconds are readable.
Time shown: h=4 m=40 s=5
